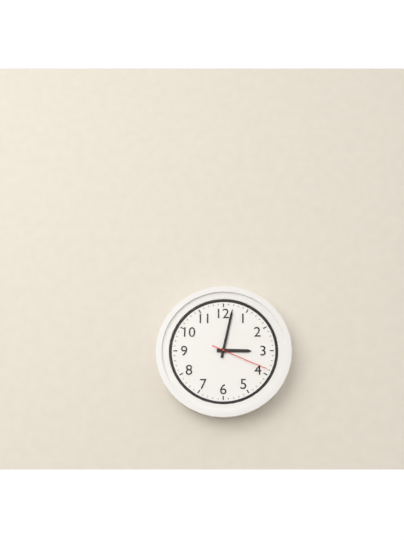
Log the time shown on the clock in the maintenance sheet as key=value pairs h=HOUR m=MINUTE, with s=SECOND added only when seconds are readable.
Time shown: h=3 m=2 s=19
